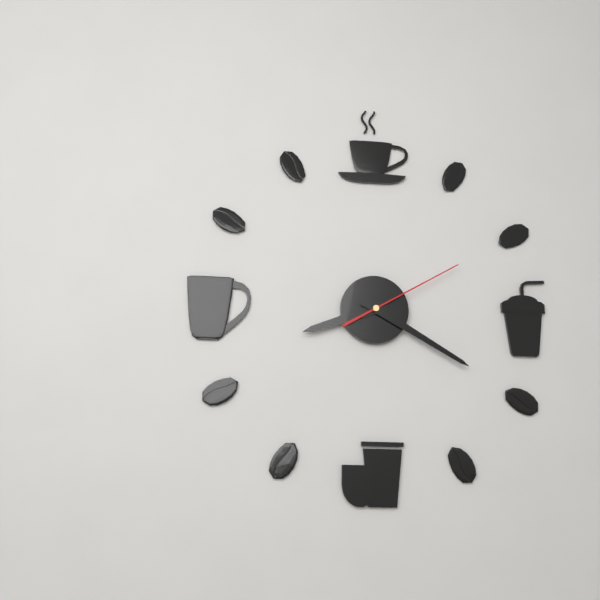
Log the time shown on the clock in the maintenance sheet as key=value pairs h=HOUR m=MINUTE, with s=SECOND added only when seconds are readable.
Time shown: h=8 m=20 s=10
